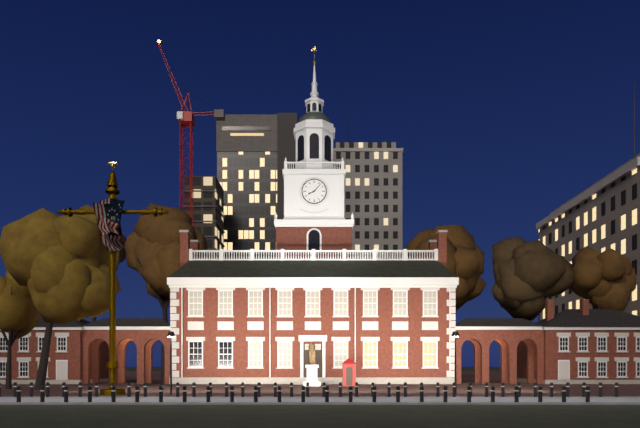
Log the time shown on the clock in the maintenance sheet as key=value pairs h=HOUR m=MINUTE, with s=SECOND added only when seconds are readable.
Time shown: h=8 m=7
